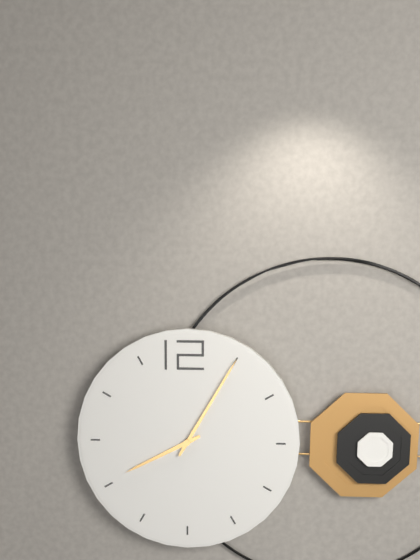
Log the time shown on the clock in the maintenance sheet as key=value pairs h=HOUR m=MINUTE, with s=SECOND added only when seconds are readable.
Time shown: h=8 m=5
